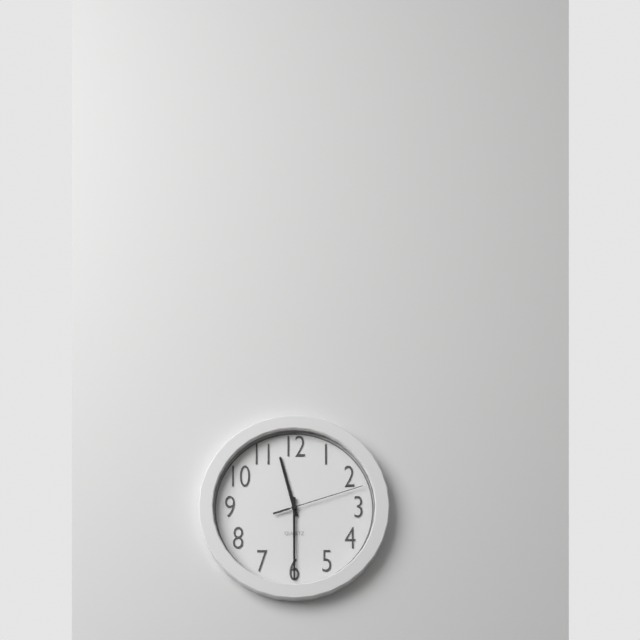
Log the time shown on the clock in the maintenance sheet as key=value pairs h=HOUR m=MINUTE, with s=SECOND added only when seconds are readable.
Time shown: h=11 m=30 s=12
